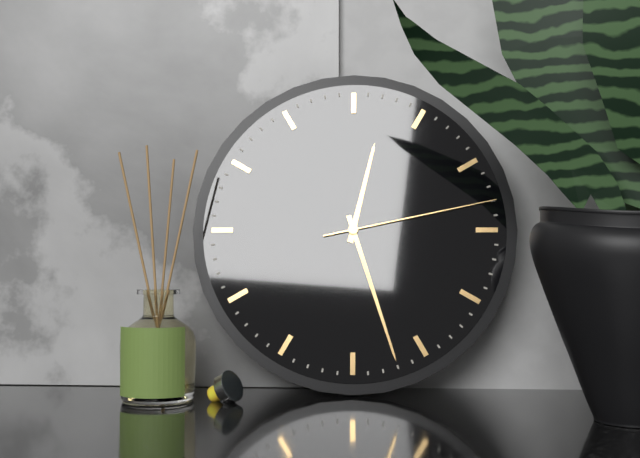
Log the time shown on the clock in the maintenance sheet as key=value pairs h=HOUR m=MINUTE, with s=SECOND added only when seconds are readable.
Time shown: h=12 m=27 s=13
